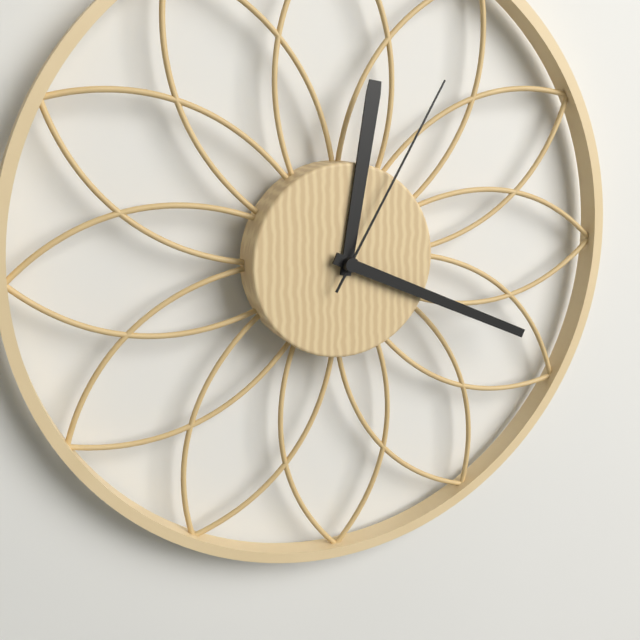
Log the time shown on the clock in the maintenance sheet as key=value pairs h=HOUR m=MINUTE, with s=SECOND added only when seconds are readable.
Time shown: h=12 m=19 s=5
